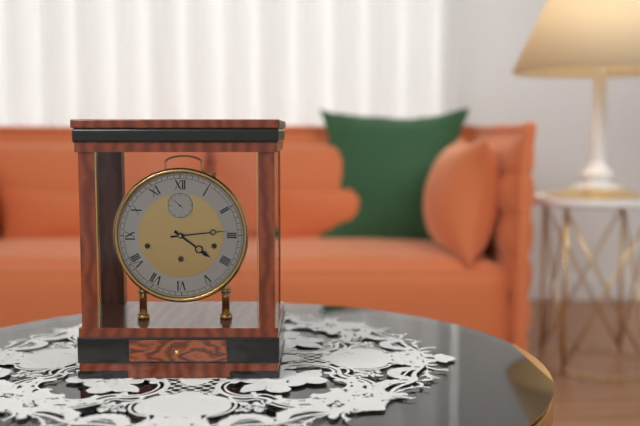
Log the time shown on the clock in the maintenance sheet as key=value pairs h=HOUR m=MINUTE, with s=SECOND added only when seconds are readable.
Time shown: h=4 m=14
